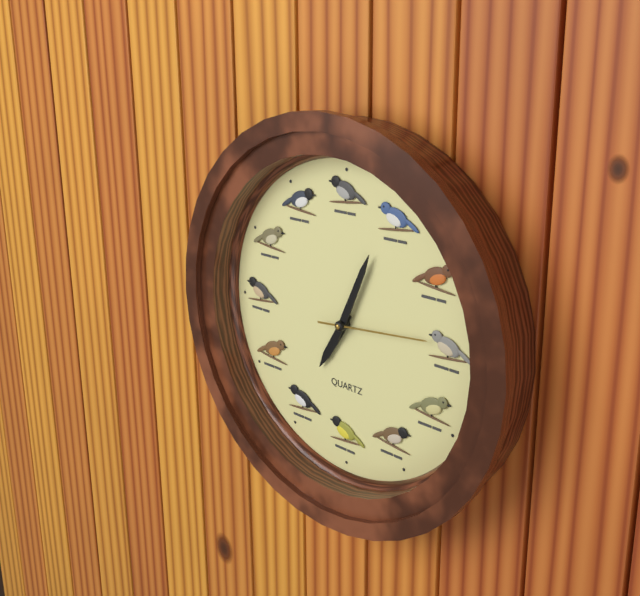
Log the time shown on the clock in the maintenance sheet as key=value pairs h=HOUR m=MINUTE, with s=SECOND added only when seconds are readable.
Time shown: h=7 m=4 s=14
